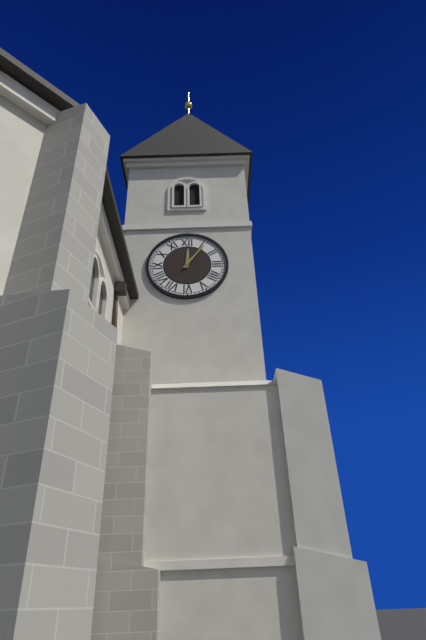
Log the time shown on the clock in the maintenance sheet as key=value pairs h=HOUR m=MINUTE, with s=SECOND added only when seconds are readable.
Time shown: h=12 m=6
